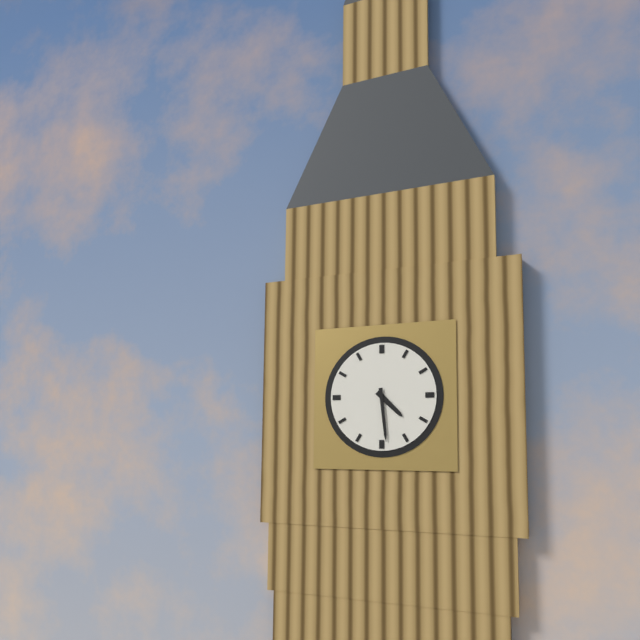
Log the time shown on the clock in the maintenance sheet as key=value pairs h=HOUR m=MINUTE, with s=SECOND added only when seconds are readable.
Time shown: h=4 m=29
